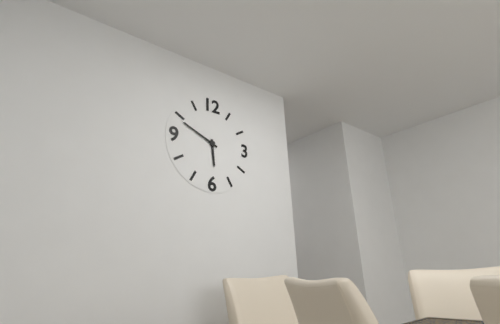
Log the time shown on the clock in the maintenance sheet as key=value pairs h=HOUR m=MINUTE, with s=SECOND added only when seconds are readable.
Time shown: h=5 m=49
